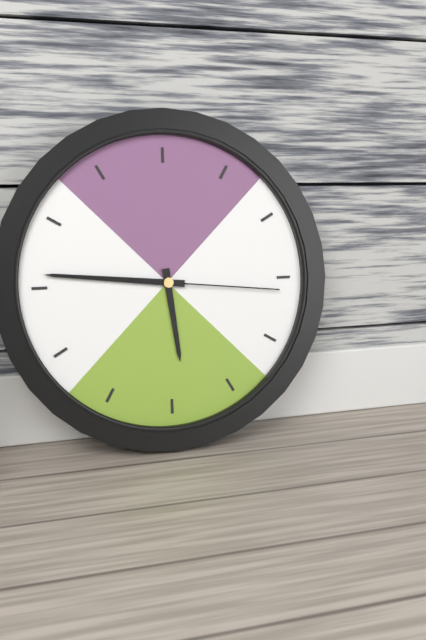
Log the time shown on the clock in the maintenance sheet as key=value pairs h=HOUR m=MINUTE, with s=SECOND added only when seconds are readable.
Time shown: h=5 m=46 s=16
